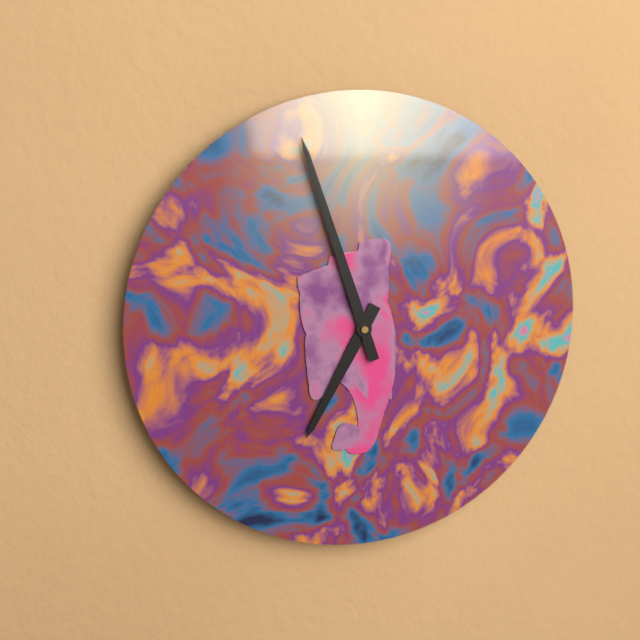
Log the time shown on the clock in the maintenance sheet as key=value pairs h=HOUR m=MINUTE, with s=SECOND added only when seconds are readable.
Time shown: h=6 m=57
